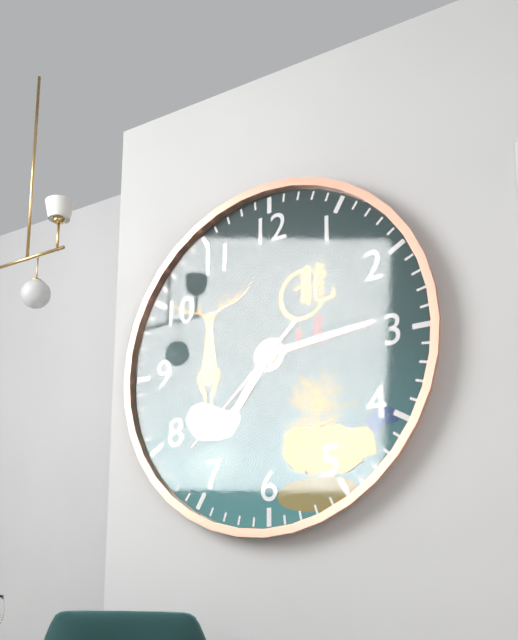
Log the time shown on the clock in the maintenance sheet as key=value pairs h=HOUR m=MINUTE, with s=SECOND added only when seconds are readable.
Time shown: h=7 m=14 s=38
